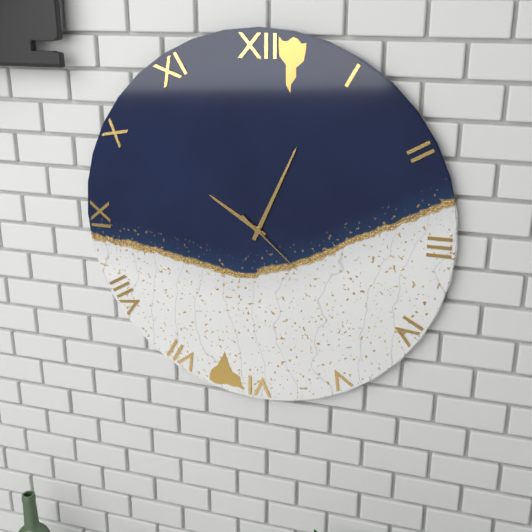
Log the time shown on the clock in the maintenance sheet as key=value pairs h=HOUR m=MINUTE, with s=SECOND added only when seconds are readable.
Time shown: h=10 m=4 s=22
